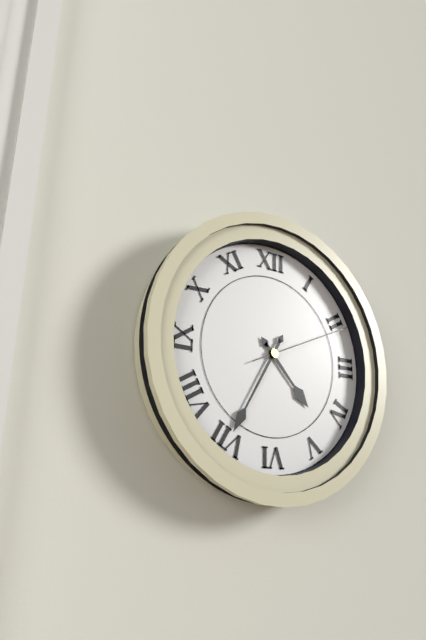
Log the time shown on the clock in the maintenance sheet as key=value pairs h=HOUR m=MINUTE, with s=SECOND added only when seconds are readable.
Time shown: h=4 m=35 s=11
